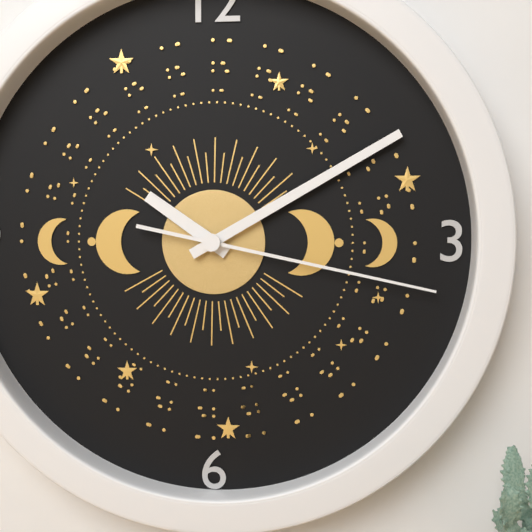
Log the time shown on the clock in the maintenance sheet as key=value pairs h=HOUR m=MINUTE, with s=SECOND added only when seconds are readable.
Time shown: h=10 m=10 s=17
